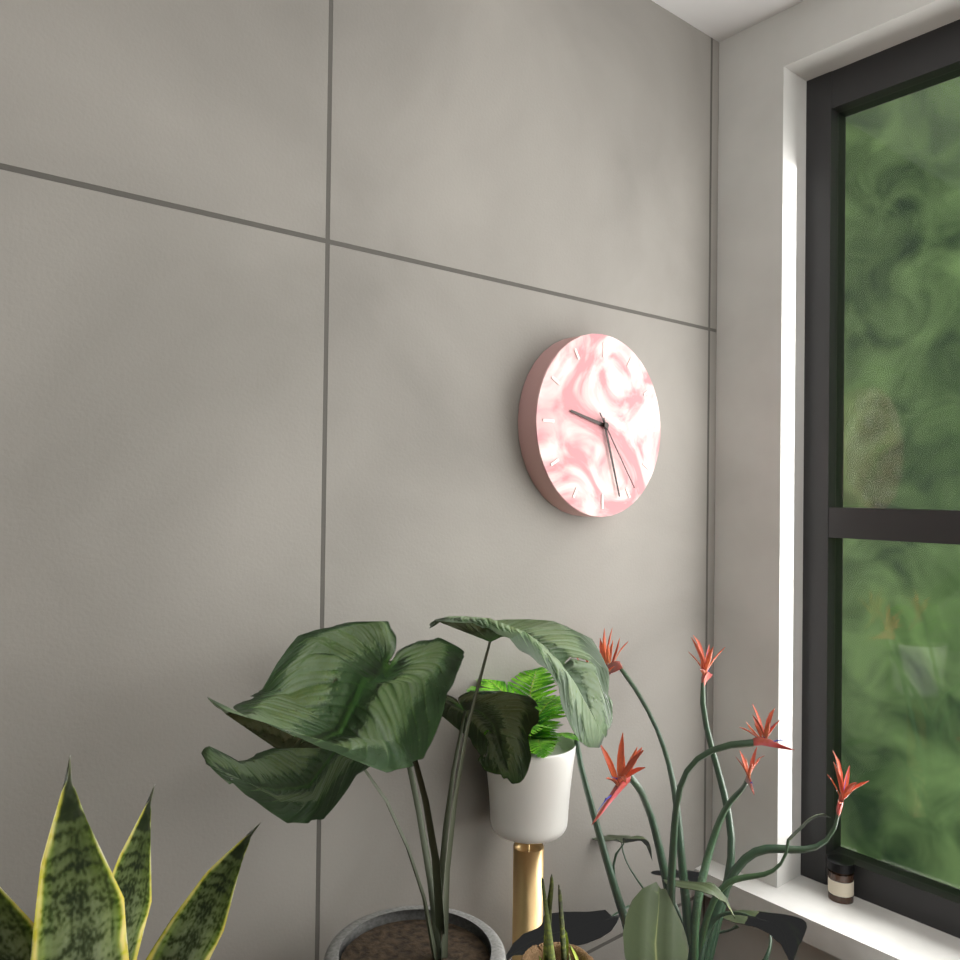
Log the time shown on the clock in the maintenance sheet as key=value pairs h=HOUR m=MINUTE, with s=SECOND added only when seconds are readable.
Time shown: h=9 m=27 s=24
